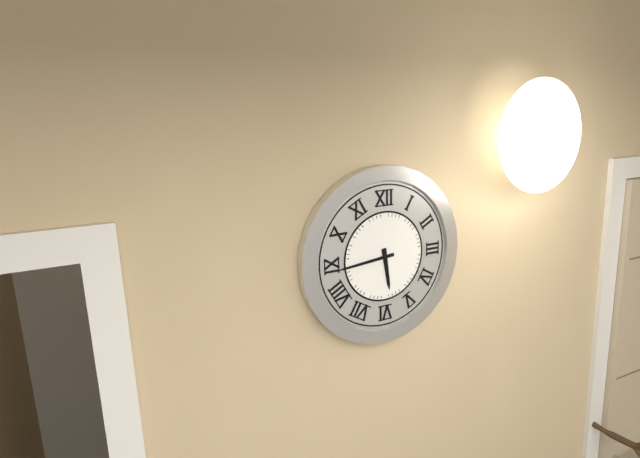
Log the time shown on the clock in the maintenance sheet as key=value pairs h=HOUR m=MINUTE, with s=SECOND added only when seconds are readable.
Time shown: h=5 m=44
